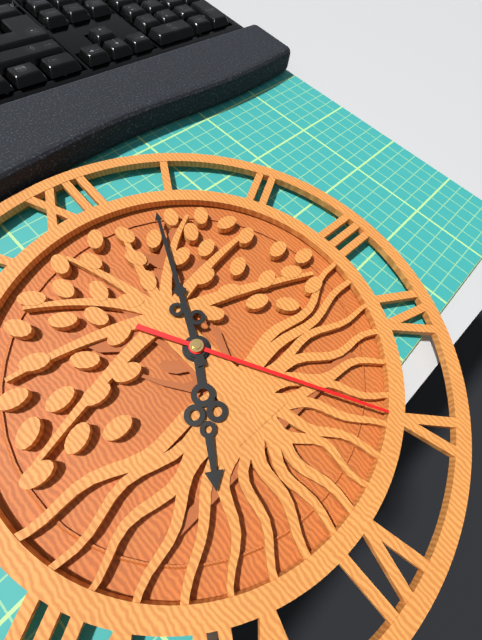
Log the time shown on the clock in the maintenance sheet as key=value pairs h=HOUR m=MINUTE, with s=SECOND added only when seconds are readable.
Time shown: h=7 m=4 s=25
